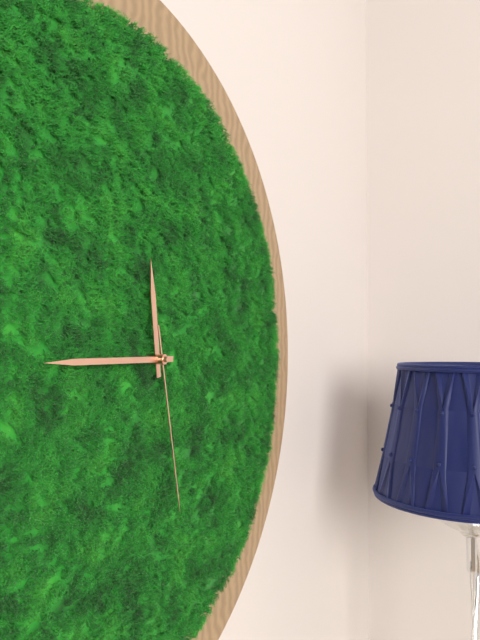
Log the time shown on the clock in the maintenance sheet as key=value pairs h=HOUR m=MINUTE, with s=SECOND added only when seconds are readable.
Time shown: h=11 m=45 s=28
